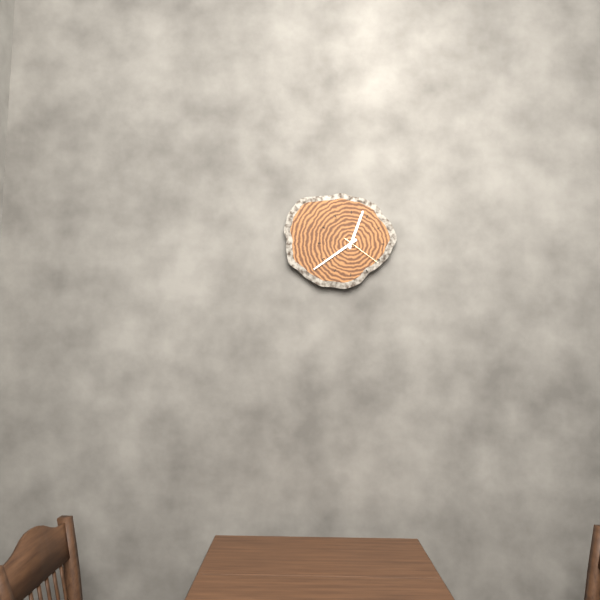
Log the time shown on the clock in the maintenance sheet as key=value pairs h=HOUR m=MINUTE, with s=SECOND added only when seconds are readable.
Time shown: h=12 m=39
